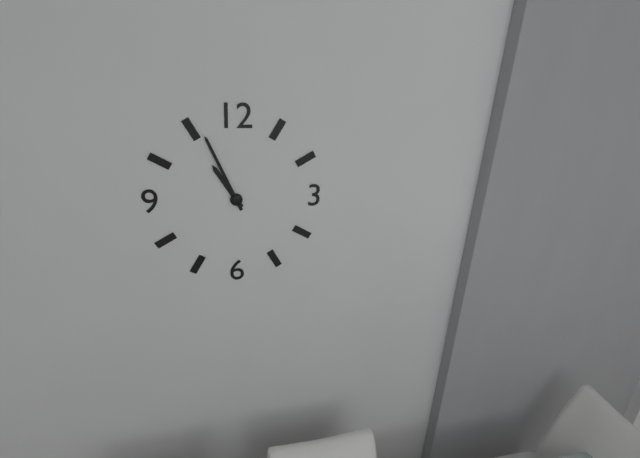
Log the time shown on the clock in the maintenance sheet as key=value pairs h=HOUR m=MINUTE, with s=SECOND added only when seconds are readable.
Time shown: h=10 m=56
